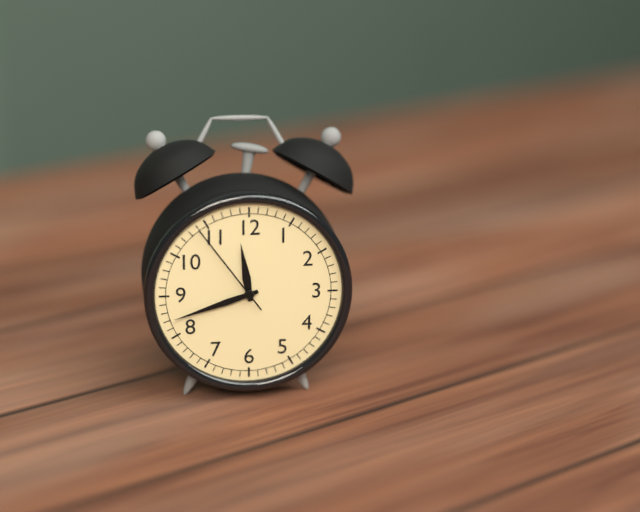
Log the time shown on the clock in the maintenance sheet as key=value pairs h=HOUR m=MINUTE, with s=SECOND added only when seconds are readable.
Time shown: h=11 m=42 s=54
